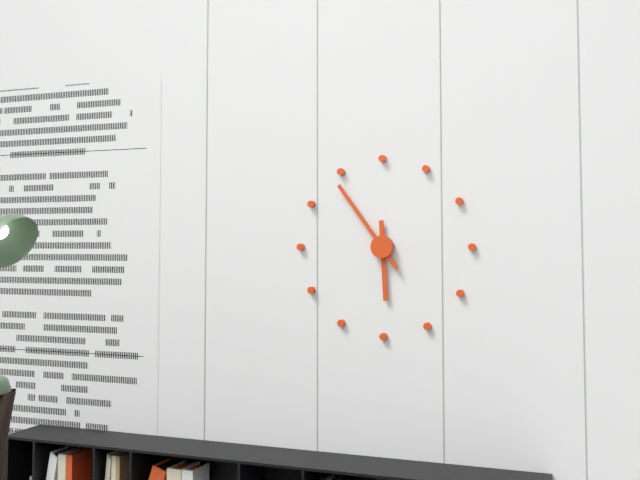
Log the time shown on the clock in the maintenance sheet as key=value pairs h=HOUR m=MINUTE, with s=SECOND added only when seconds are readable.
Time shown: h=5 m=54
